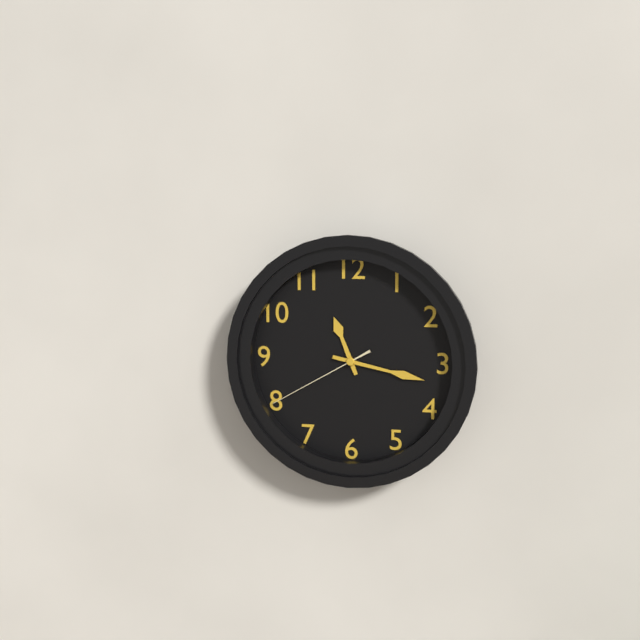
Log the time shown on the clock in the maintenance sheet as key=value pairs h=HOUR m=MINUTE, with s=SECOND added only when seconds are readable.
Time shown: h=11 m=17 s=40
